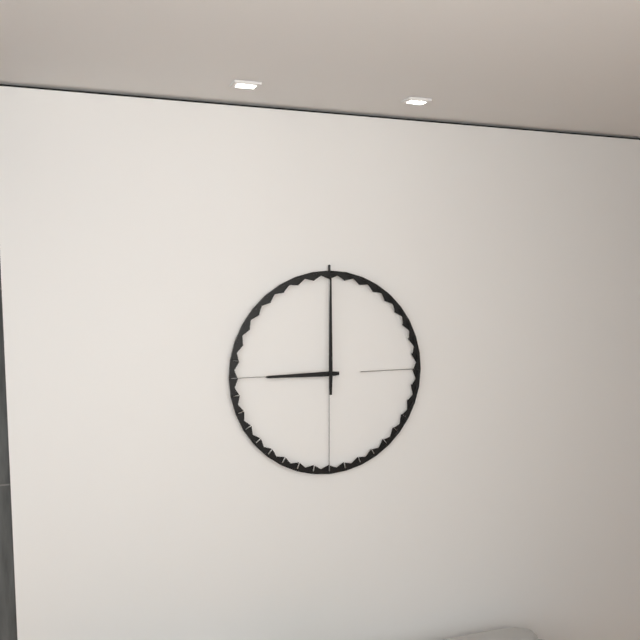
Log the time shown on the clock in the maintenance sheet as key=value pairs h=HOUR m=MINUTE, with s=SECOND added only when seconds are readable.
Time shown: h=9 m=0
